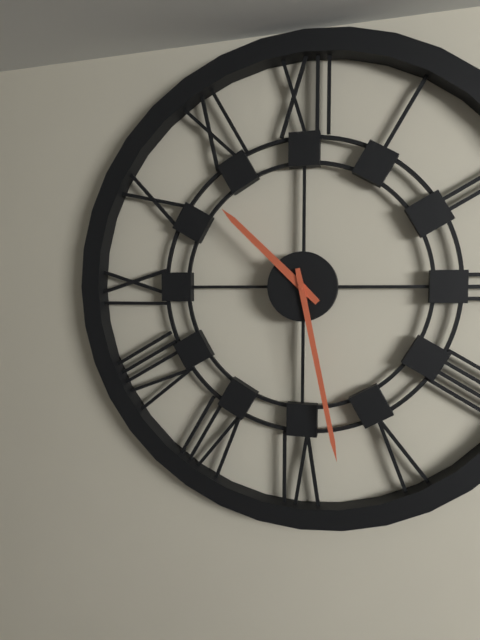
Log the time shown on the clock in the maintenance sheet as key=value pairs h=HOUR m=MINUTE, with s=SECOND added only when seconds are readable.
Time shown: h=10 m=28
